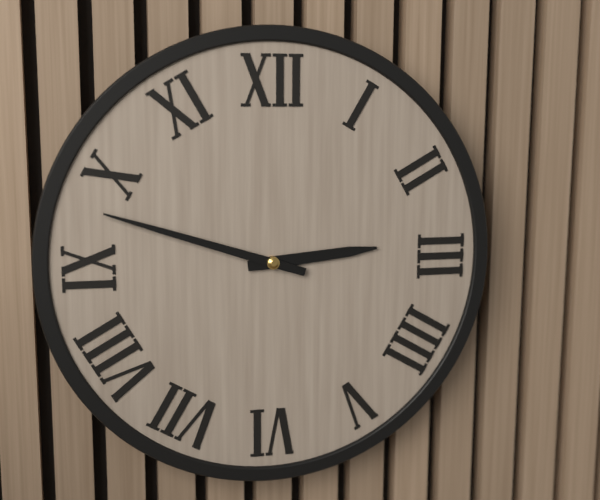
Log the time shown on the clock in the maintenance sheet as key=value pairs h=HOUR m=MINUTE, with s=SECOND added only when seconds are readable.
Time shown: h=2 m=48
